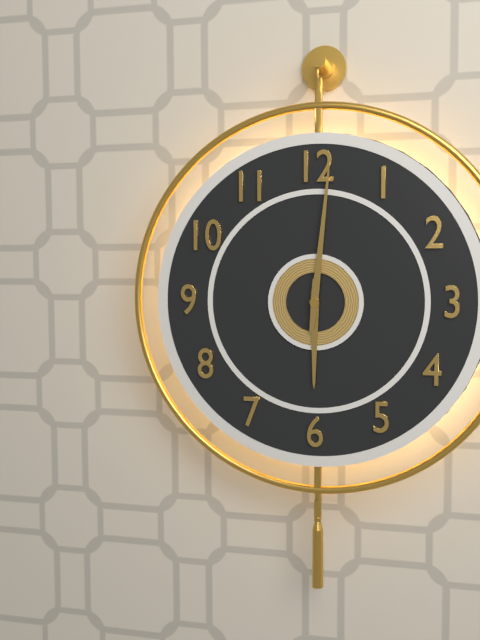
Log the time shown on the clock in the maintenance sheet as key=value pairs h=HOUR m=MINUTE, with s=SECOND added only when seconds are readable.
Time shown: h=6 m=1
